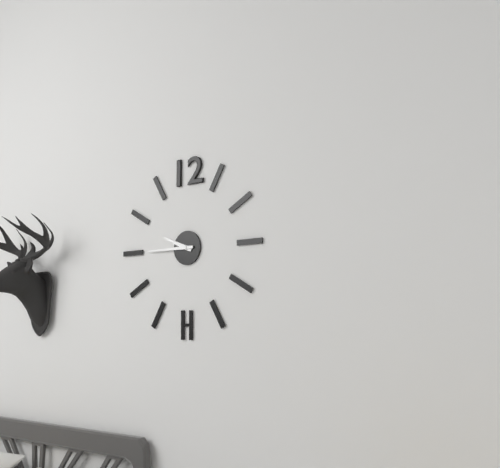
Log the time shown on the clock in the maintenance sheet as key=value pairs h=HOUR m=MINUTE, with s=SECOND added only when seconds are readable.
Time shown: h=9 m=45
